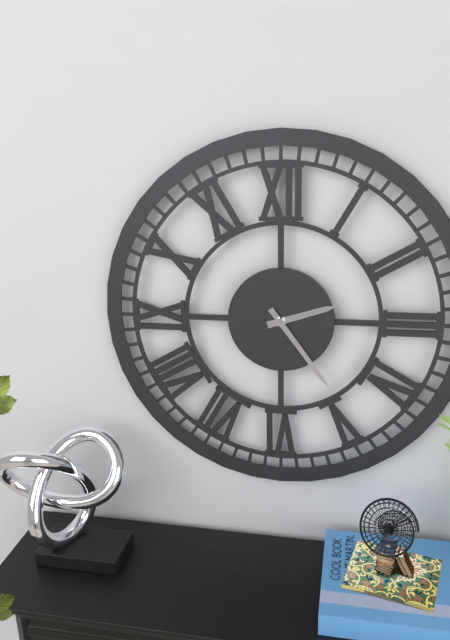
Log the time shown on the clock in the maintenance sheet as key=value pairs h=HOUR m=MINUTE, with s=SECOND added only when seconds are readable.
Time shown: h=2 m=24
